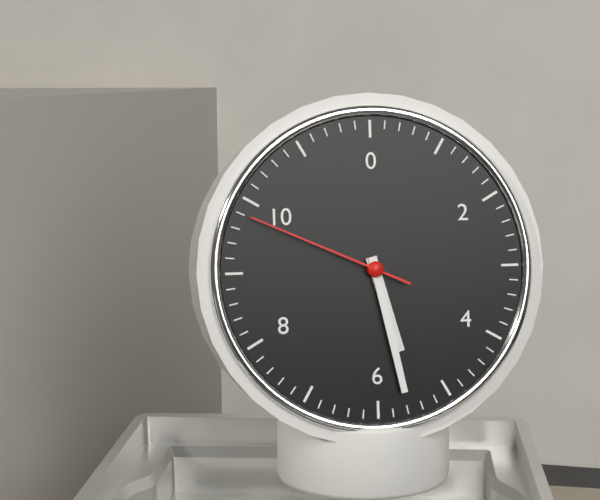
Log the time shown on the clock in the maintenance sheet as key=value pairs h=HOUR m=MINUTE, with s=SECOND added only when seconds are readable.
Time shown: h=5 m=28 s=49
